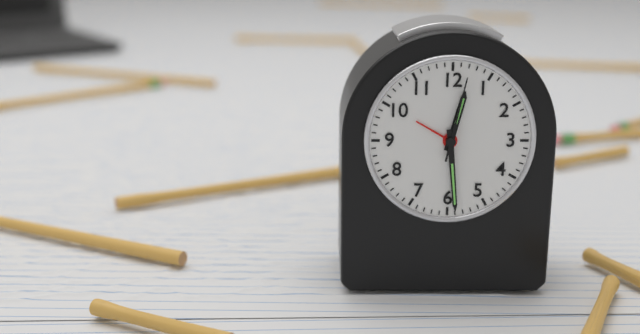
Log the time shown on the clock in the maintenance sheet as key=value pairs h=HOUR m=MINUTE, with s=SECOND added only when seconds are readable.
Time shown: h=12 m=29 s=2
